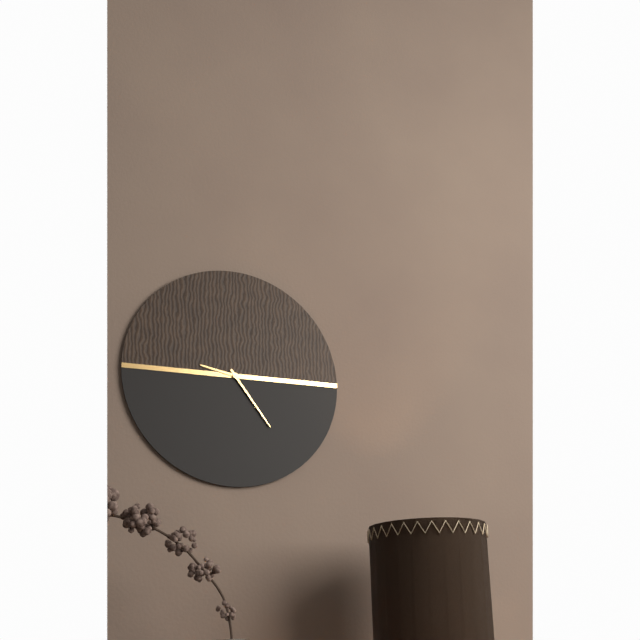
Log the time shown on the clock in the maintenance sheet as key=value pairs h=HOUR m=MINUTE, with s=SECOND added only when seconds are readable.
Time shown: h=9 m=24
